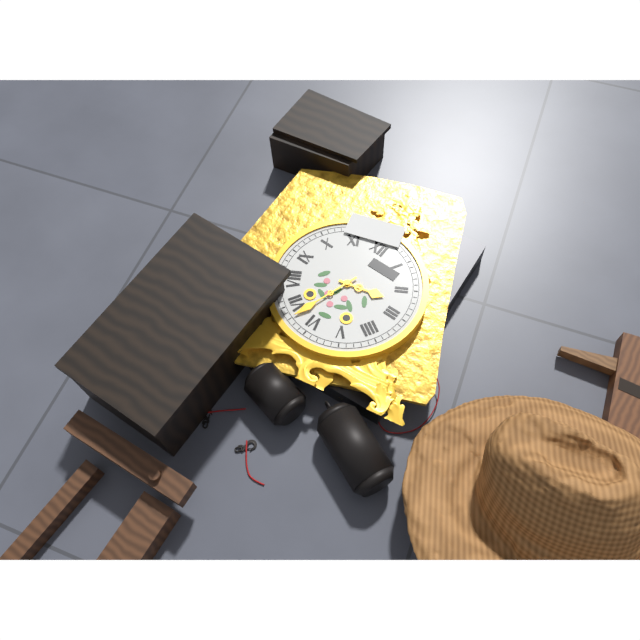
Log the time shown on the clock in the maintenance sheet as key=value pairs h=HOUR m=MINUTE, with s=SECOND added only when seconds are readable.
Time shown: h=2 m=33
